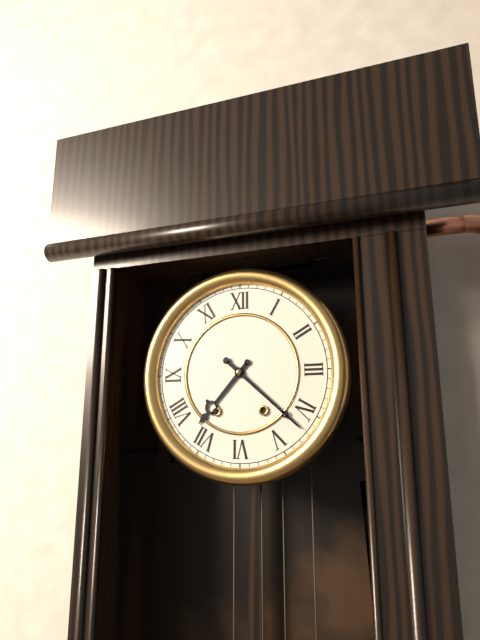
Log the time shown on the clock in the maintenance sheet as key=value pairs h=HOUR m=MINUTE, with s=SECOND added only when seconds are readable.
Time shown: h=7 m=22
